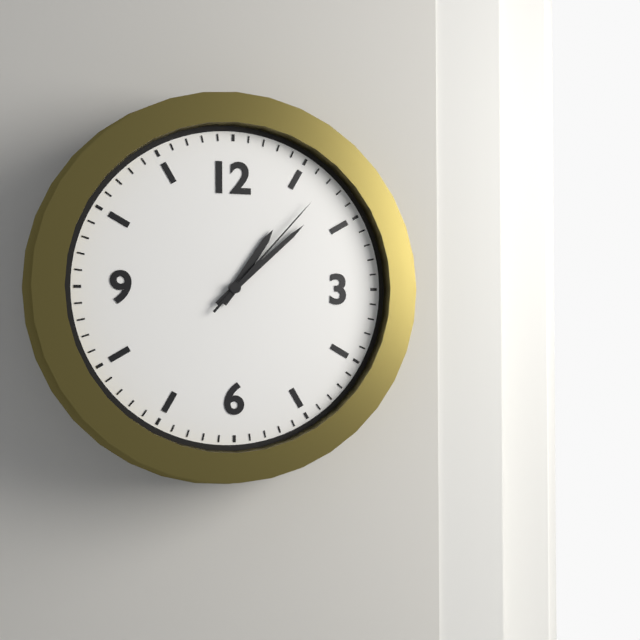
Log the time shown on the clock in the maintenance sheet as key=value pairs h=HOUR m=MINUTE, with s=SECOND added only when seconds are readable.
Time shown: h=1 m=8 s=7
